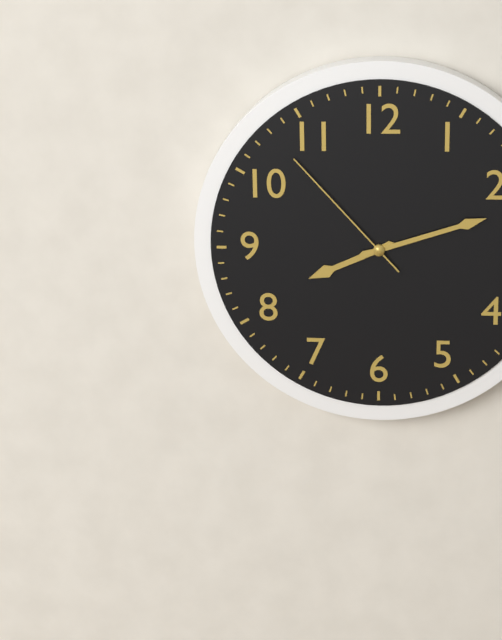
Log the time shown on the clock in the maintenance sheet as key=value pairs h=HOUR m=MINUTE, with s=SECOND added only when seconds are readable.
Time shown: h=8 m=12 s=53
